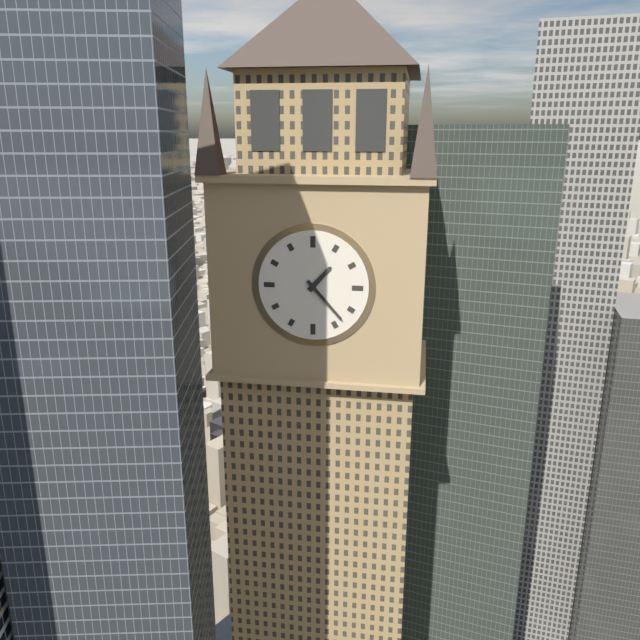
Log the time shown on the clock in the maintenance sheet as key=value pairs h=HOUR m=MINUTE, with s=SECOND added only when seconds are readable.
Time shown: h=1 m=23
